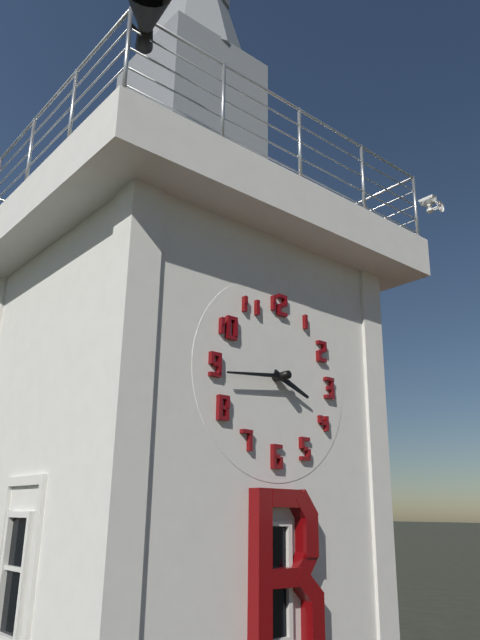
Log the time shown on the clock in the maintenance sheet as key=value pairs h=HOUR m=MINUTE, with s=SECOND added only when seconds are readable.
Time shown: h=3 m=44
